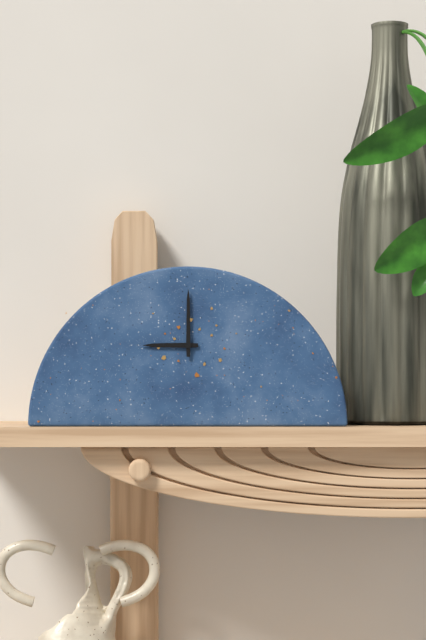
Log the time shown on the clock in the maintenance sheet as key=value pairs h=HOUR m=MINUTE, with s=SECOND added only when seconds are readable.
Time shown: h=9 m=0
